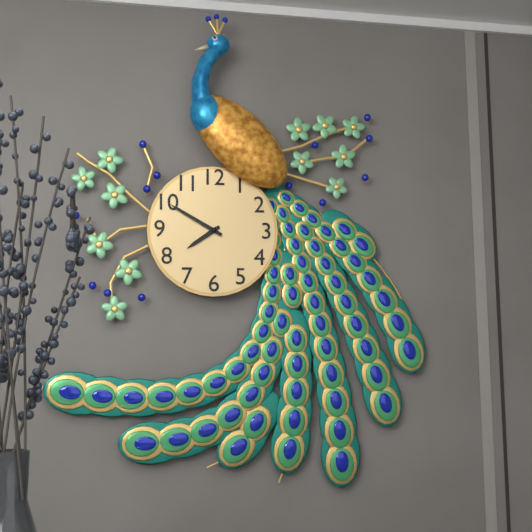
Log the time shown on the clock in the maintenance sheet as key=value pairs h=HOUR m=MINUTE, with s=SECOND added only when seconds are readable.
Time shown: h=7 m=50
